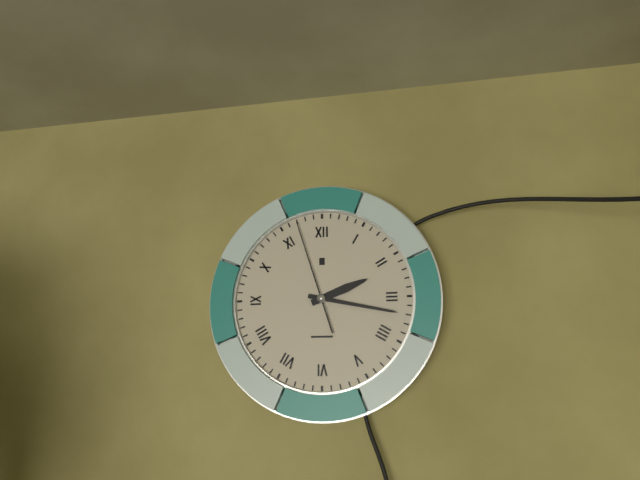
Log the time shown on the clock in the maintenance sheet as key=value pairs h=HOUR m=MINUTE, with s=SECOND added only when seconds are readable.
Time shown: h=2 m=17 s=57
